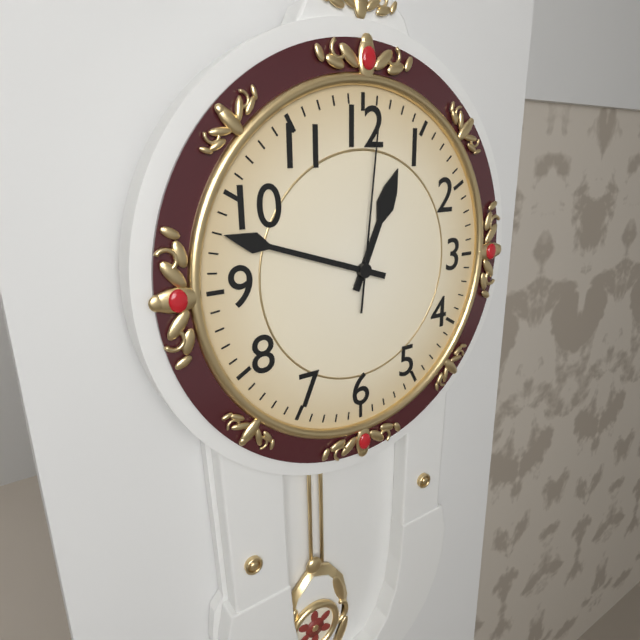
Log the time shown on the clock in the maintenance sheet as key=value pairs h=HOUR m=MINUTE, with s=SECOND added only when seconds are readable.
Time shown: h=12 m=48 s=1
